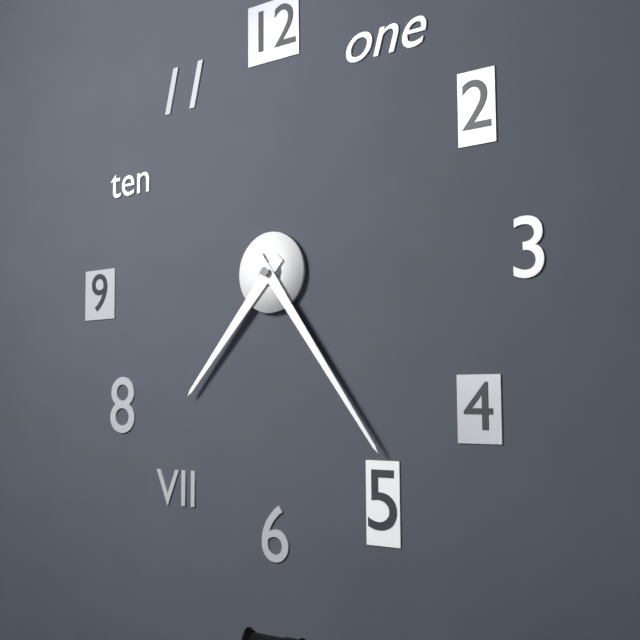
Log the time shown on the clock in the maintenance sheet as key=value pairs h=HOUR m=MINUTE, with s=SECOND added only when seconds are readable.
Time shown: h=7 m=24
